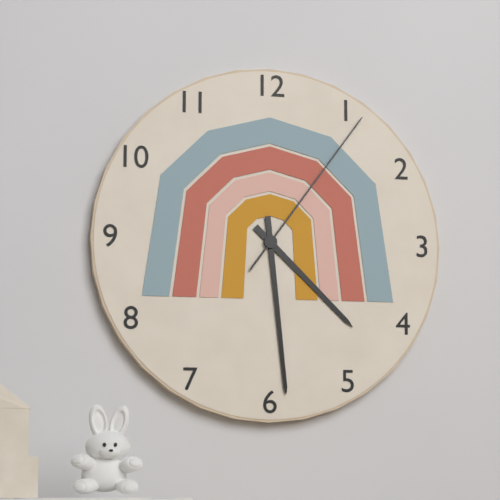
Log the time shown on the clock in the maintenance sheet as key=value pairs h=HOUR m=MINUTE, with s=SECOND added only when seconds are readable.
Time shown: h=4 m=29 s=6
